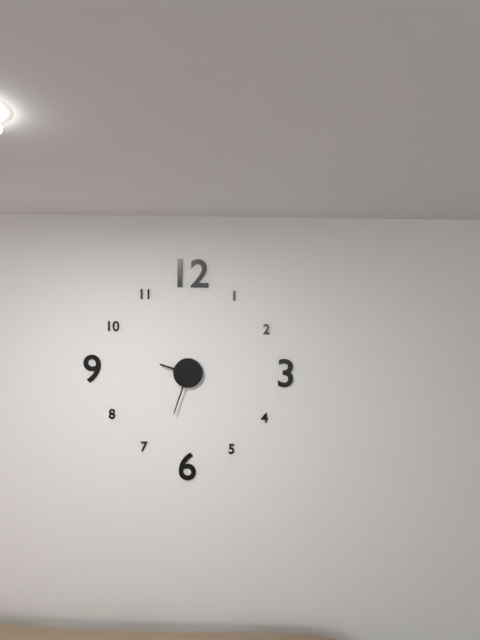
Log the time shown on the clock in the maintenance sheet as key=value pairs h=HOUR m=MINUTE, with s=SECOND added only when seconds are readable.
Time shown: h=9 m=33
